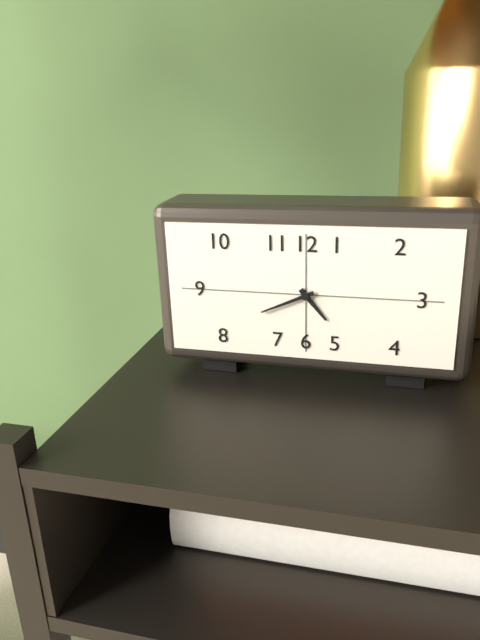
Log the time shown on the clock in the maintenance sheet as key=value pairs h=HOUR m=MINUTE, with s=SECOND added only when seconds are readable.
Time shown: h=4 m=41
